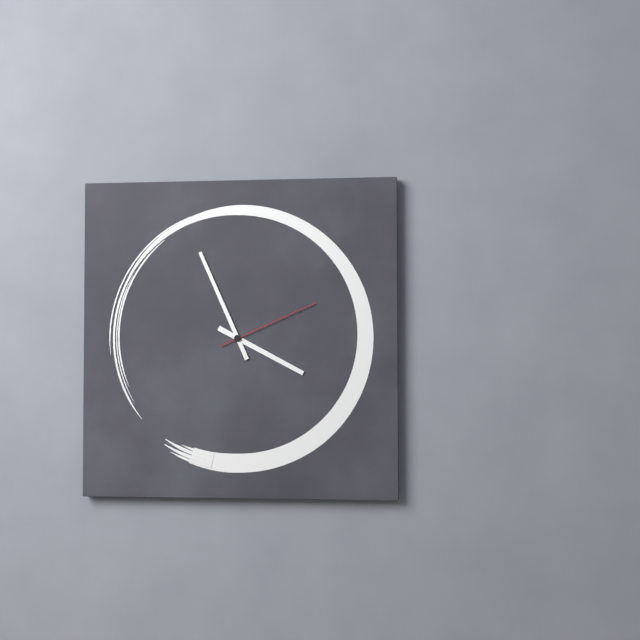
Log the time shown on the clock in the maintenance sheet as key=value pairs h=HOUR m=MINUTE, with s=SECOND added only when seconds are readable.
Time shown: h=3 m=56 s=11
